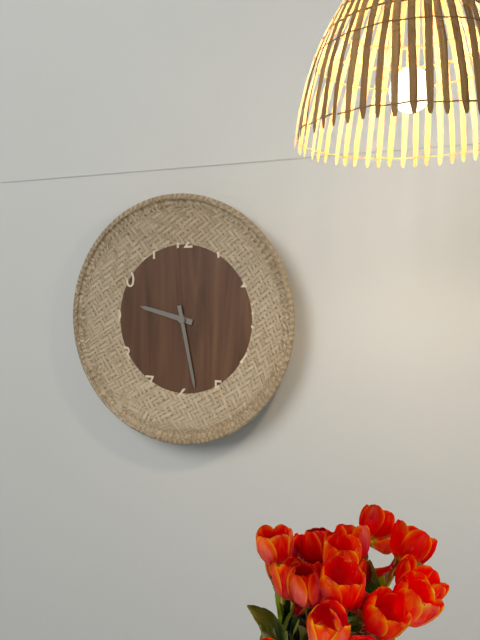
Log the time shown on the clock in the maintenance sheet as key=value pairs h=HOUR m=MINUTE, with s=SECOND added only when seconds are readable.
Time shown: h=9 m=28
